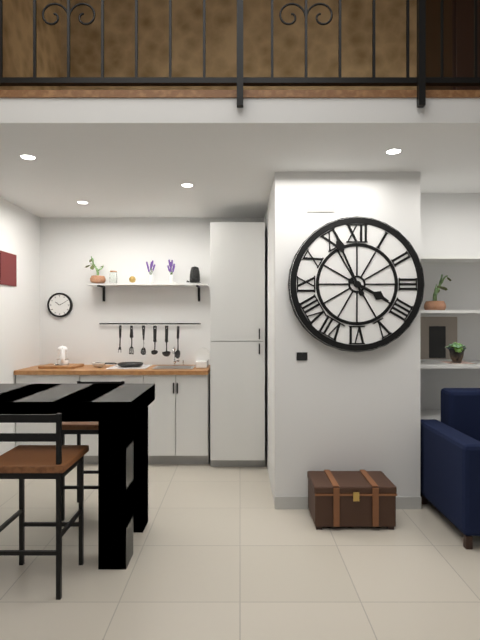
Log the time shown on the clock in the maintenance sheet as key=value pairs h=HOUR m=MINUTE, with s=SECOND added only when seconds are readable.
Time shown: h=3 m=56
